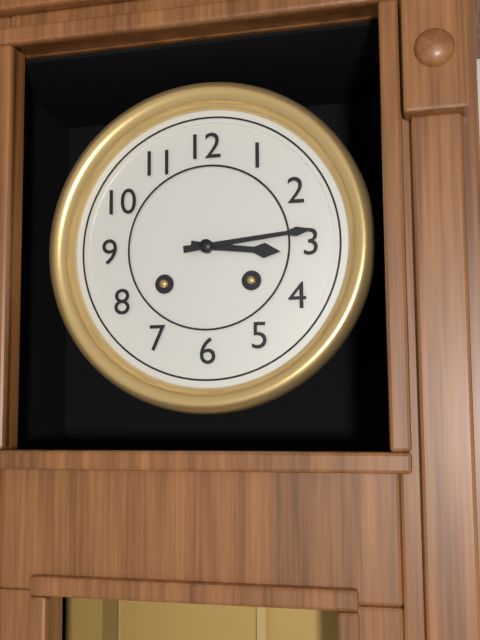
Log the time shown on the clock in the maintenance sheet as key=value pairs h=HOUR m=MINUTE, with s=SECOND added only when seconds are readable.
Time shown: h=3 m=14
